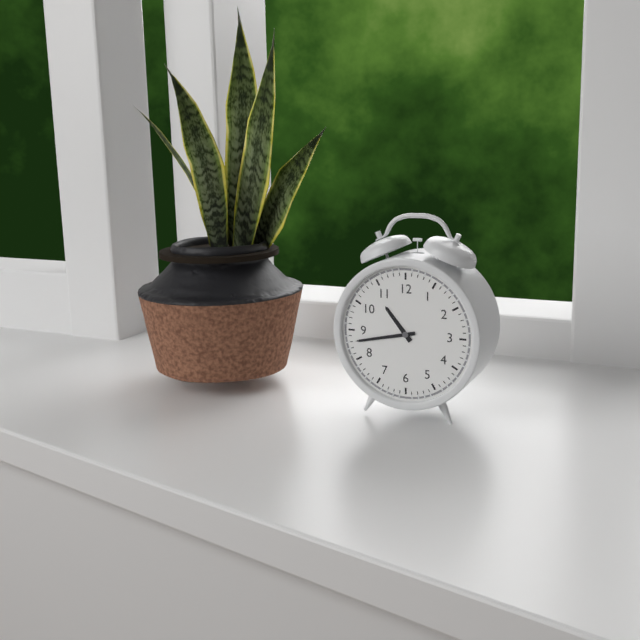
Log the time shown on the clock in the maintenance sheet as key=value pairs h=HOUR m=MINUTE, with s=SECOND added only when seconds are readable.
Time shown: h=10 m=43
